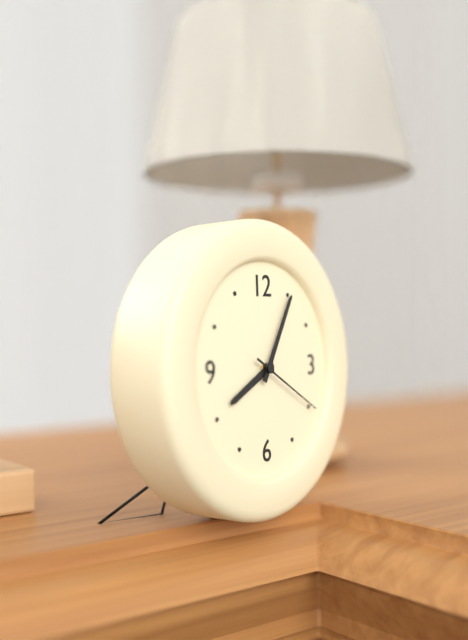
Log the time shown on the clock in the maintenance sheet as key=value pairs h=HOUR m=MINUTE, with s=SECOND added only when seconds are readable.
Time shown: h=8 m=5 s=20
